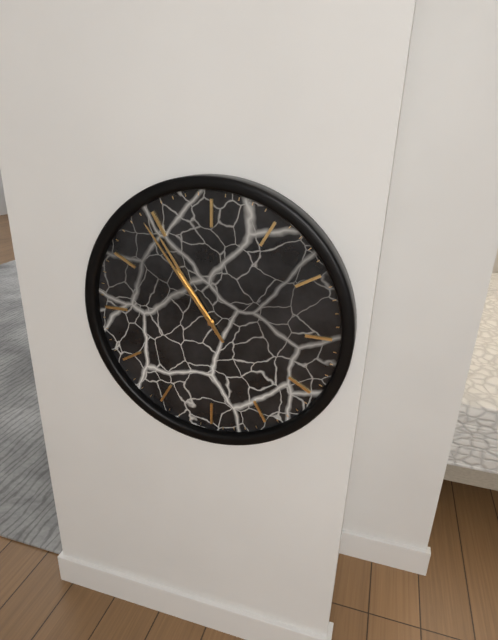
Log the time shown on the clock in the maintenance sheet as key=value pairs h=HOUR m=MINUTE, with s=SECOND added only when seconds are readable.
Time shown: h=10 m=54
